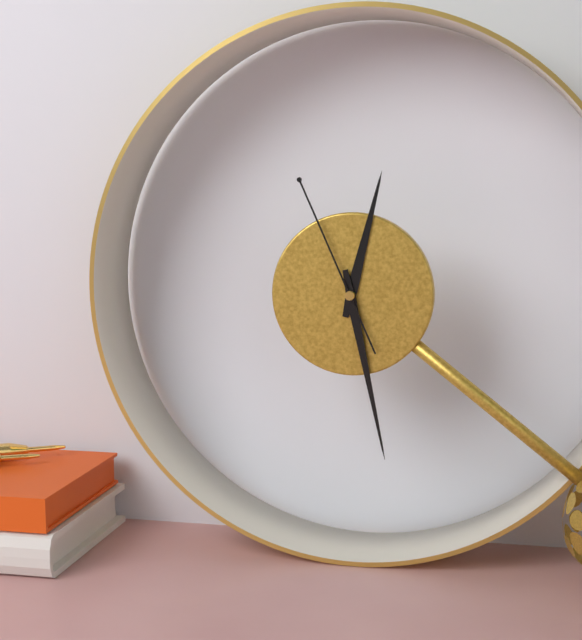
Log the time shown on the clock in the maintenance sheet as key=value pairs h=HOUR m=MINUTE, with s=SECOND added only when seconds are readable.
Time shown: h=12 m=28 s=56
